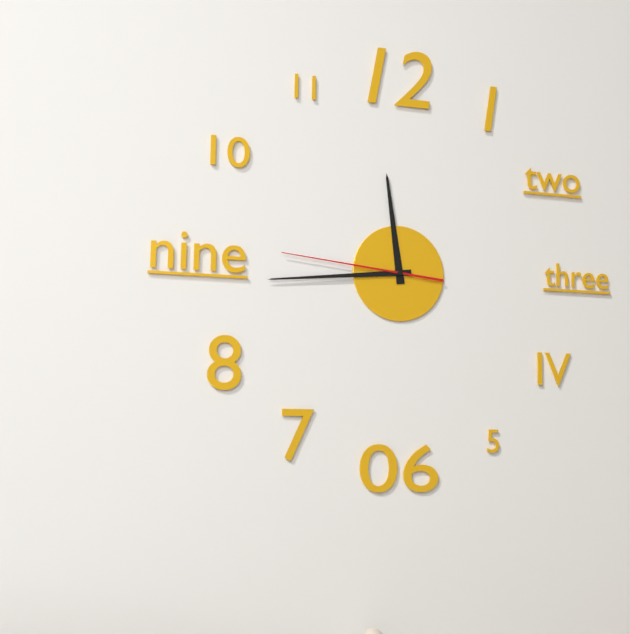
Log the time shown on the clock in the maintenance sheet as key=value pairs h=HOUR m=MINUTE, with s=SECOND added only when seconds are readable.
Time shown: h=11 m=44 s=46
